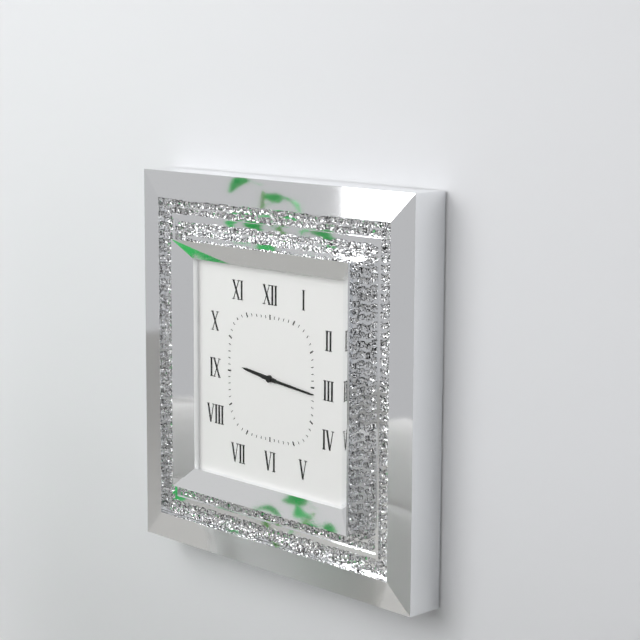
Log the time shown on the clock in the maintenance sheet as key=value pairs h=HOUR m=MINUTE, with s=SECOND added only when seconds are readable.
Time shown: h=9 m=16
